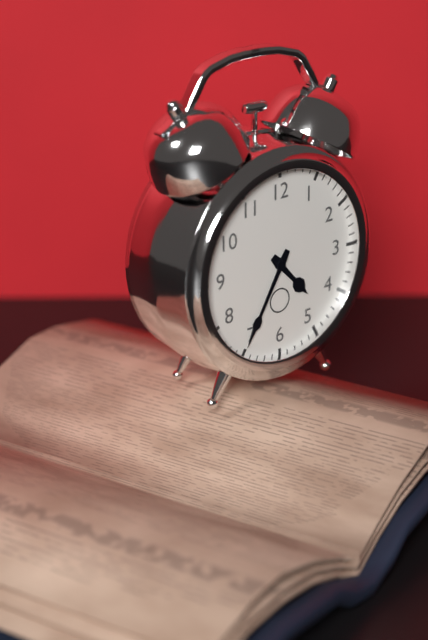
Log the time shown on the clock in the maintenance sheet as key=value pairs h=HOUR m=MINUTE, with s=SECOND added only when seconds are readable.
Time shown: h=4 m=35
